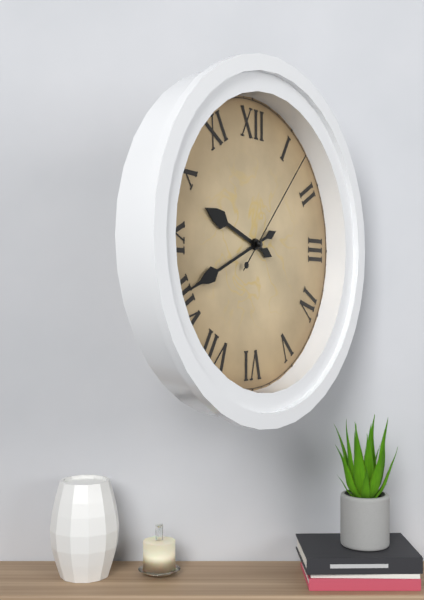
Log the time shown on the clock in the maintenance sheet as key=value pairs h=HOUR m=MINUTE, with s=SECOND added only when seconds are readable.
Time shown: h=9 m=41 s=7
